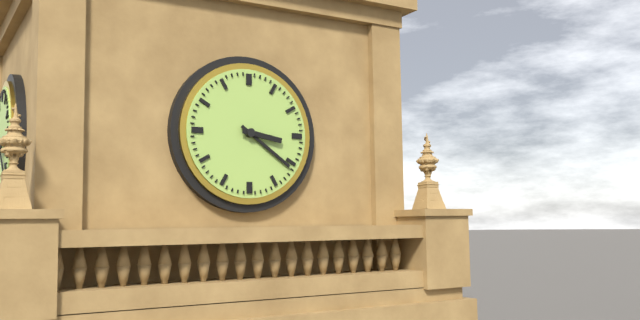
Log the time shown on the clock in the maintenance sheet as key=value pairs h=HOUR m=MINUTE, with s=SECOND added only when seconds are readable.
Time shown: h=3 m=21
